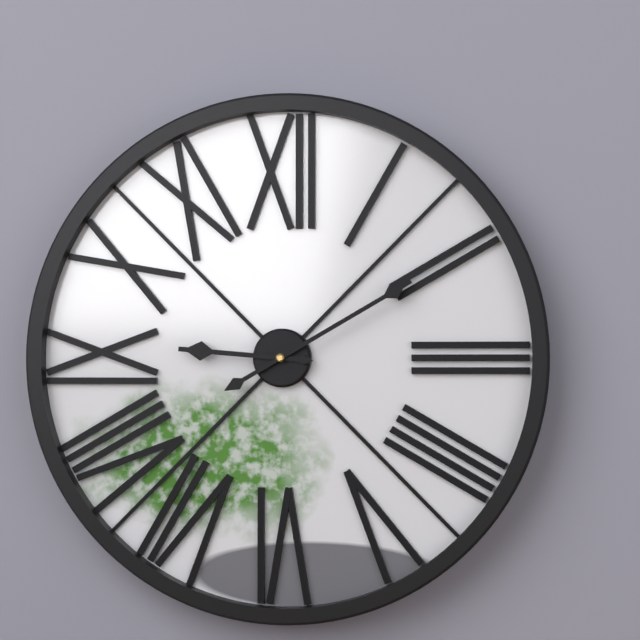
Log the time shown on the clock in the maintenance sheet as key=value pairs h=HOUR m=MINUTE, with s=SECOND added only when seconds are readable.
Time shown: h=9 m=10
